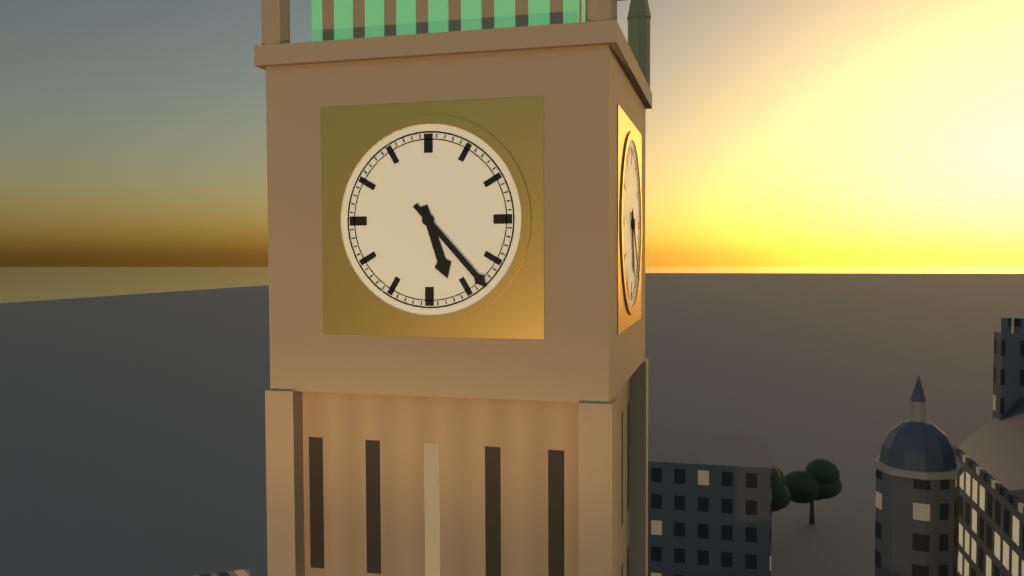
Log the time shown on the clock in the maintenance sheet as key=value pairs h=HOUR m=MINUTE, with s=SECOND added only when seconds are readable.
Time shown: h=5 m=23
